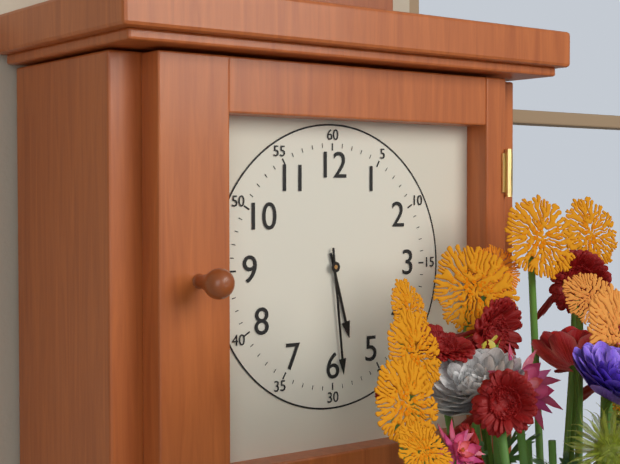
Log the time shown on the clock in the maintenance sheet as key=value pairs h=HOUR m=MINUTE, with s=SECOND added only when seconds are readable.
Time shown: h=5 m=29
